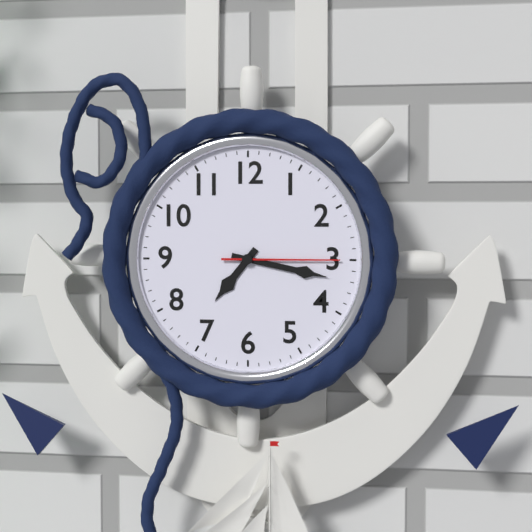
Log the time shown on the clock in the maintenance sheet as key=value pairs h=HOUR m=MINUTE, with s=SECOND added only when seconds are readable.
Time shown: h=7 m=17 s=15
